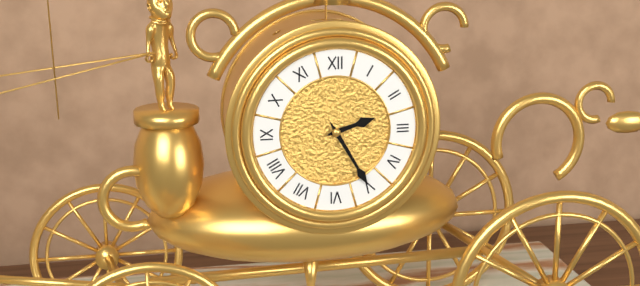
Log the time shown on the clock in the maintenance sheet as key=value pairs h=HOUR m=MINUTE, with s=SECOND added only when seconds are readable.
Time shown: h=2 m=25
